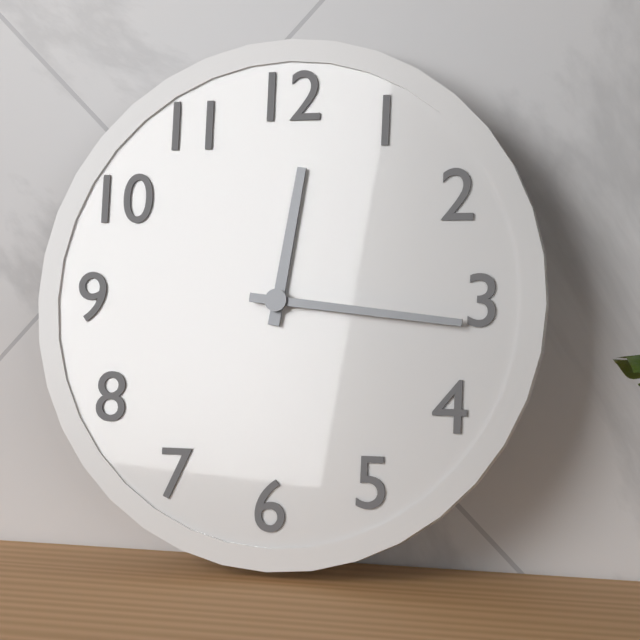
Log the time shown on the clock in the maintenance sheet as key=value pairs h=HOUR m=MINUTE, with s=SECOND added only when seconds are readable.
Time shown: h=12 m=16
